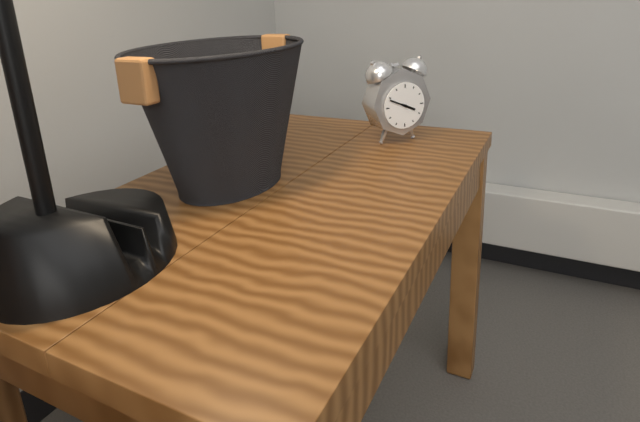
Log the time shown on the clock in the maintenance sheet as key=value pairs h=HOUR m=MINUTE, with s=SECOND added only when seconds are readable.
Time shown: h=3 m=49
